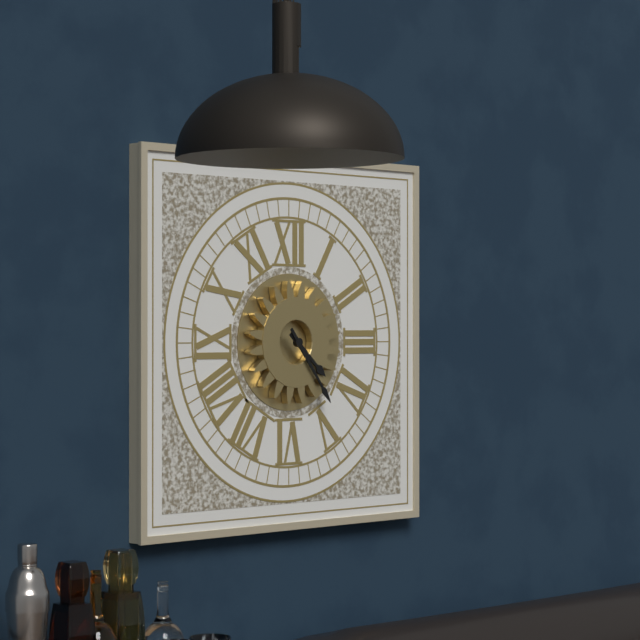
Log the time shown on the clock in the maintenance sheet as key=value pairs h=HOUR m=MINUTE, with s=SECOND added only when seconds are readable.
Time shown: h=4 m=24
